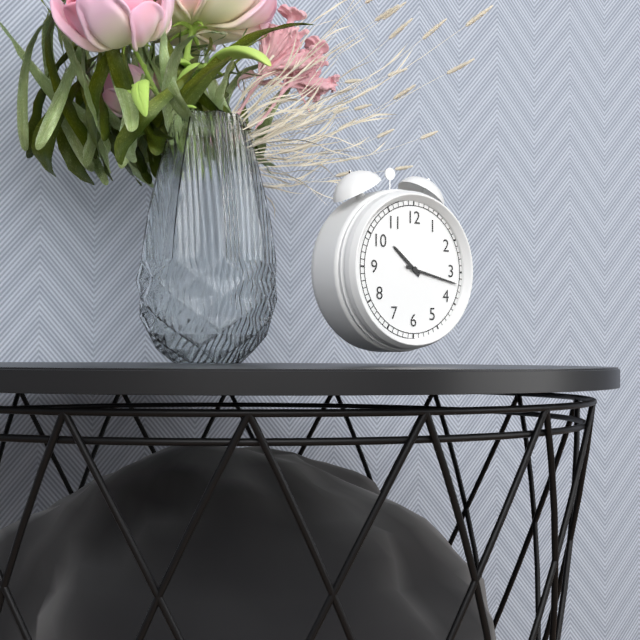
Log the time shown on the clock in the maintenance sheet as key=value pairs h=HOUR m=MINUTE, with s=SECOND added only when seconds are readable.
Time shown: h=10 m=17
